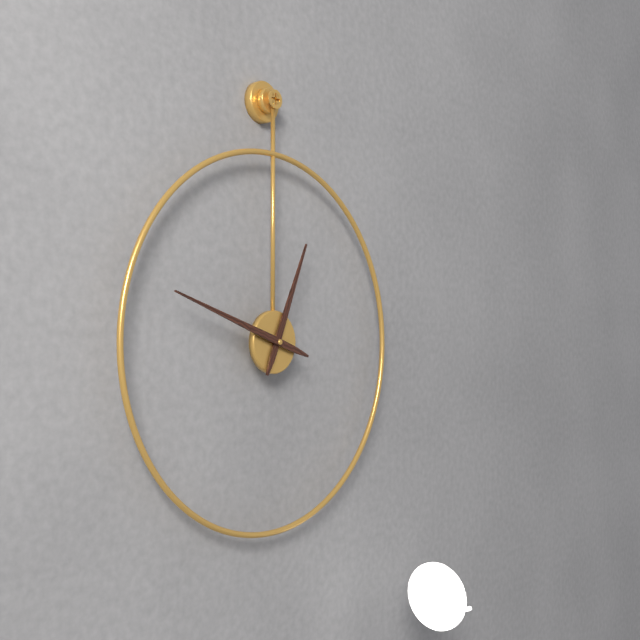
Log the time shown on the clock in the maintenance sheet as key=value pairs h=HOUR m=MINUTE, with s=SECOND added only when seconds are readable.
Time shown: h=12 m=48
